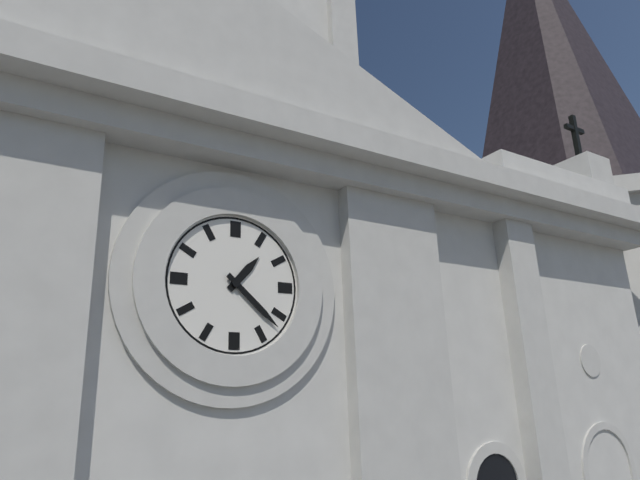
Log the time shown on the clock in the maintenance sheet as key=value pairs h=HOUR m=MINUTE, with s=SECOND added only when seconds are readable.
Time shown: h=1 m=22
